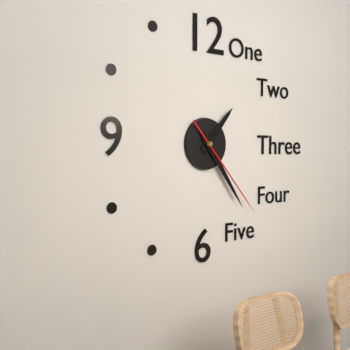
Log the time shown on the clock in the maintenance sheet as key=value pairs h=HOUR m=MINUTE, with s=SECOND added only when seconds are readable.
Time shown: h=1 m=24 s=23
